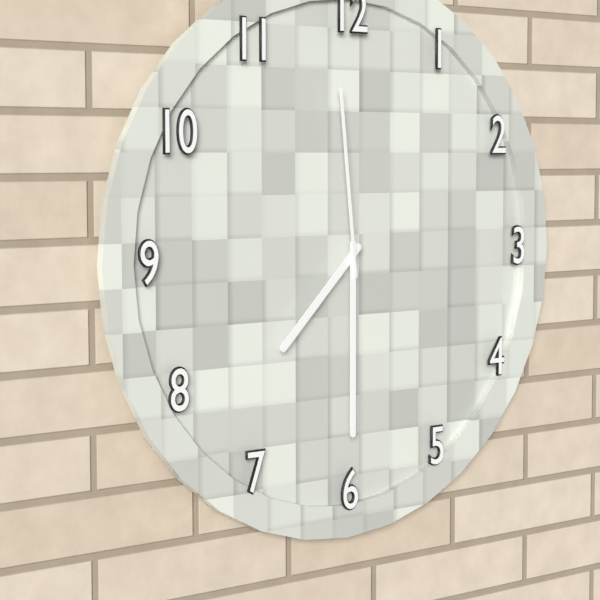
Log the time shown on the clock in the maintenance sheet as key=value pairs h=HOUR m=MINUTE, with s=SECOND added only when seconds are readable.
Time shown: h=7 m=30 s=59
